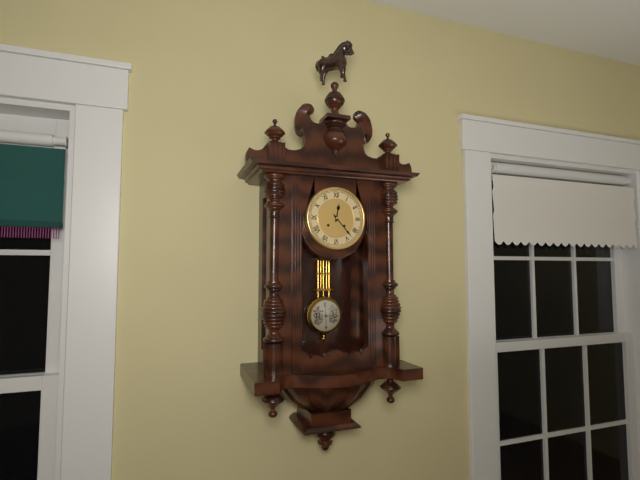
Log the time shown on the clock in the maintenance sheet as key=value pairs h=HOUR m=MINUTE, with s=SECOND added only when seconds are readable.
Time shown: h=12 m=23
